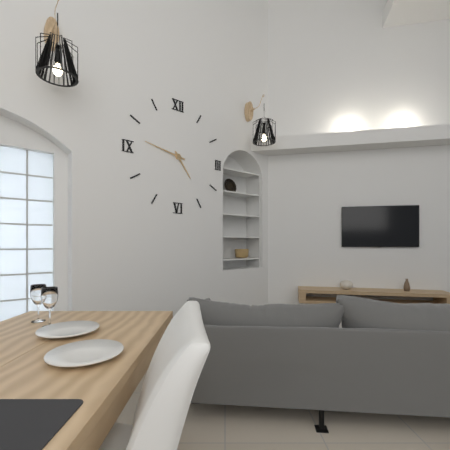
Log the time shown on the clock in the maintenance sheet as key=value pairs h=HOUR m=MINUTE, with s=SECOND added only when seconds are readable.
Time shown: h=4 m=47
